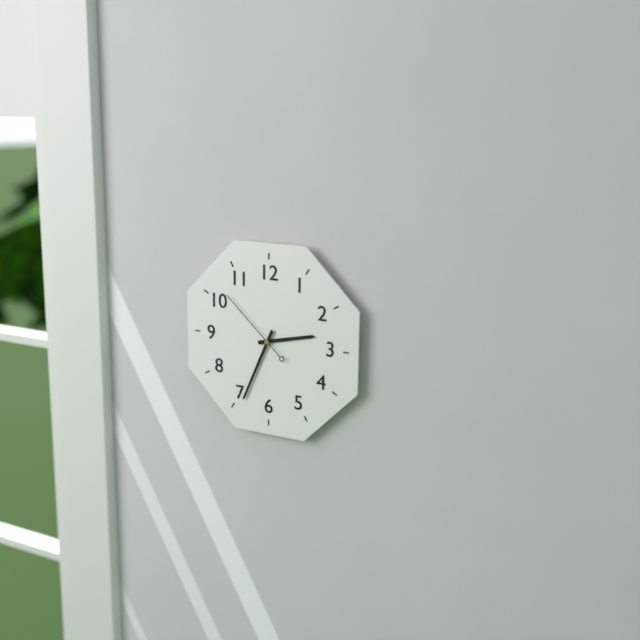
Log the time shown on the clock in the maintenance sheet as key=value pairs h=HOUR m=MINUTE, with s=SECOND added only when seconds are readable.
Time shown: h=2 m=34 s=52
